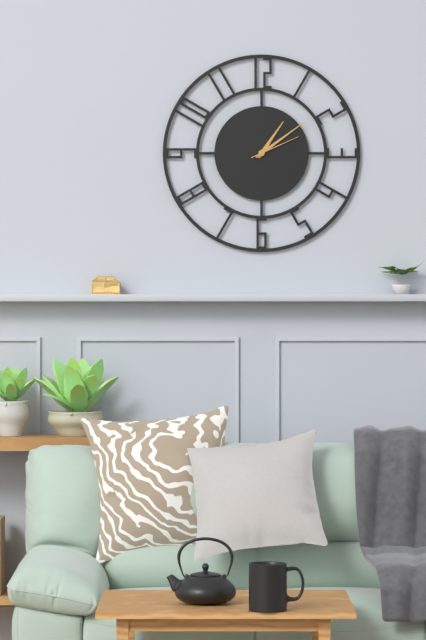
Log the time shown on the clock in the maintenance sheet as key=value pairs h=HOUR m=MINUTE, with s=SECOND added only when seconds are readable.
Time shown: h=1 m=9 s=11
